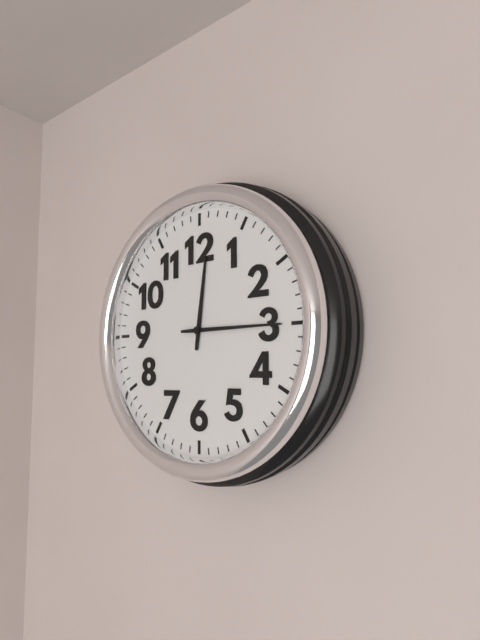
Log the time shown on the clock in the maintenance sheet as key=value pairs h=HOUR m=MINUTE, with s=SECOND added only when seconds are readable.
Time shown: h=12 m=15
